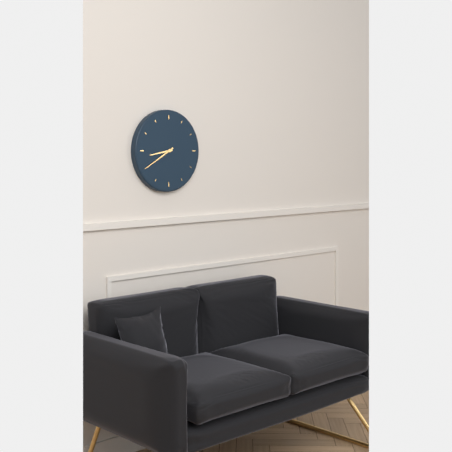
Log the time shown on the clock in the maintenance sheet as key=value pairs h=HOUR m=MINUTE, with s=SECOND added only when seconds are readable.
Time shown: h=8 m=40
